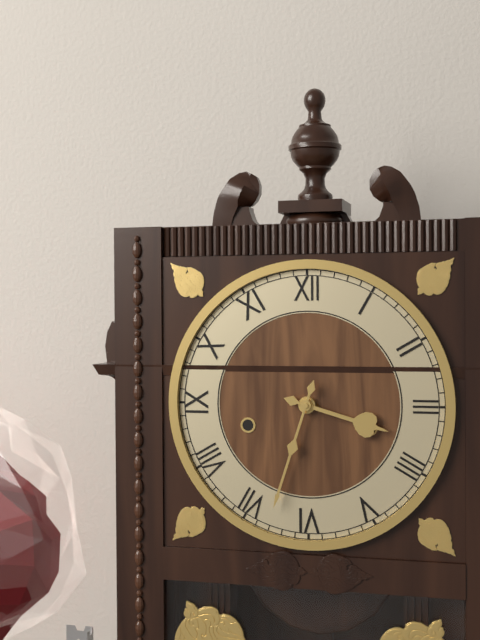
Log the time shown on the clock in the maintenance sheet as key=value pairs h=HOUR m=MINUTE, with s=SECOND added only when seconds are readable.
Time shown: h=3 m=33
